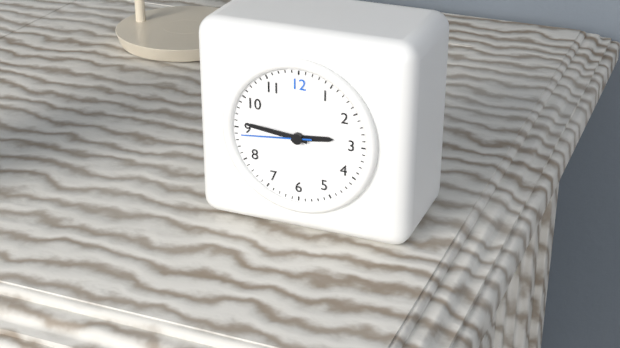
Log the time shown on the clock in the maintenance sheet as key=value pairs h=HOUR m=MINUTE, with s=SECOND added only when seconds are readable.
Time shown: h=2 m=46 s=44
